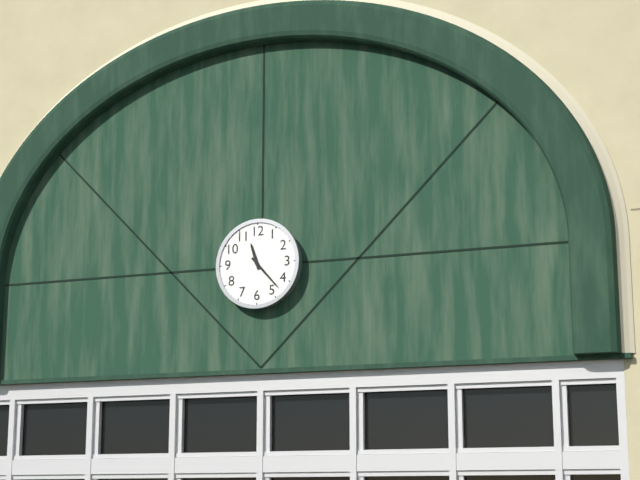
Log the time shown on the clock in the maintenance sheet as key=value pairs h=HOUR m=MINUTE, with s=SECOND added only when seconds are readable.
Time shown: h=11 m=23
